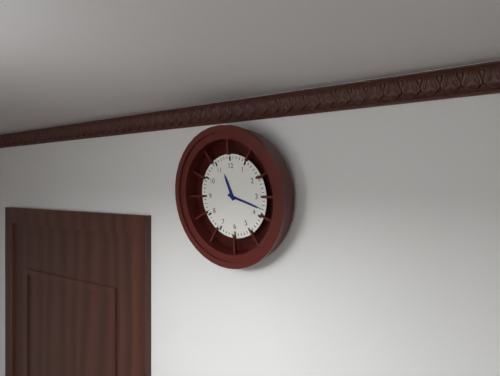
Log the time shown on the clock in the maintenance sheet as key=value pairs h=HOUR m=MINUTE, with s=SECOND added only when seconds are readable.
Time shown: h=11 m=18
